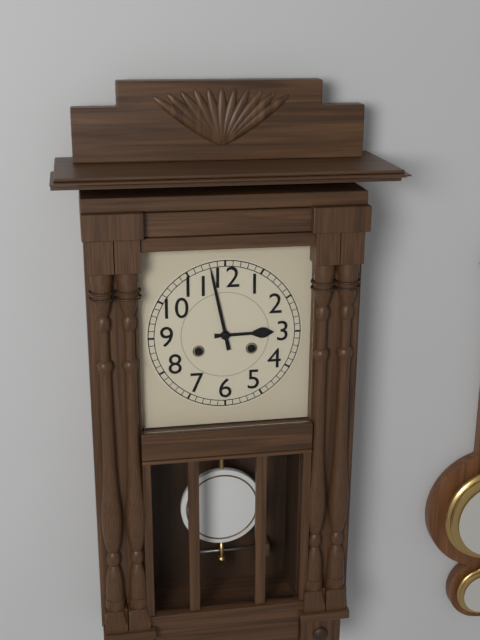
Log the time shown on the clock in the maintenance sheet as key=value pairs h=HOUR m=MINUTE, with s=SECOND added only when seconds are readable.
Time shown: h=2 m=58
